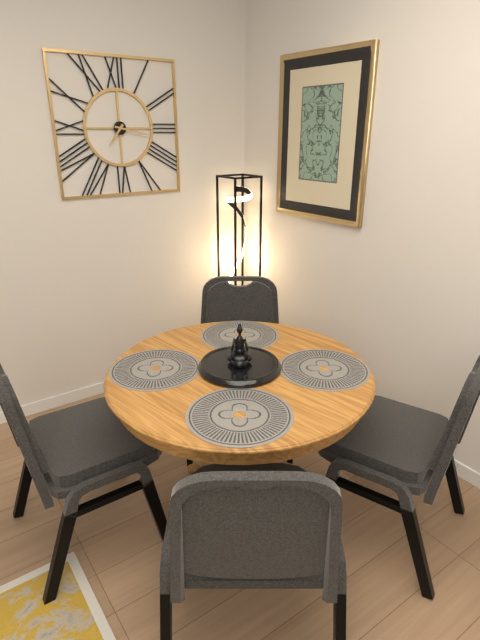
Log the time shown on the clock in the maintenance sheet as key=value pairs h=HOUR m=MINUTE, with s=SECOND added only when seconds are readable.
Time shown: h=7 m=17
